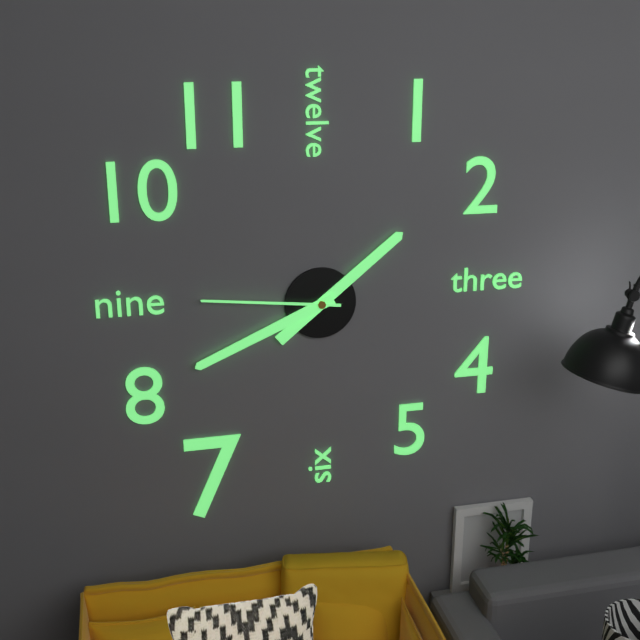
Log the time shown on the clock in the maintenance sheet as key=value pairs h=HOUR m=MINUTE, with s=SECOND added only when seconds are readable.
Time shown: h=1 m=41 s=46
